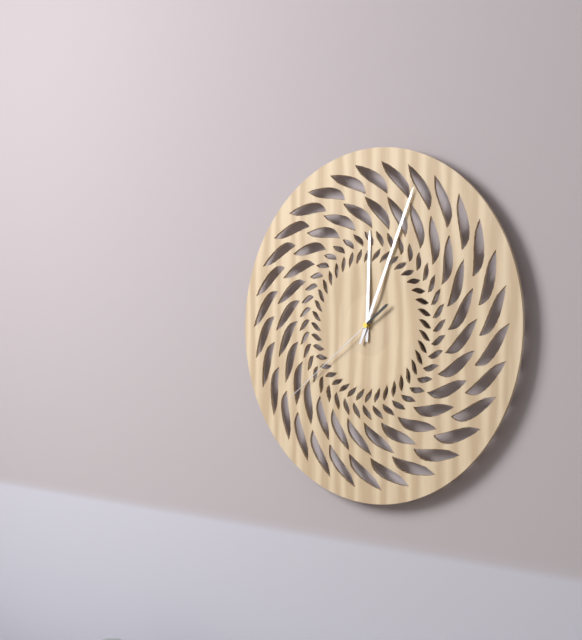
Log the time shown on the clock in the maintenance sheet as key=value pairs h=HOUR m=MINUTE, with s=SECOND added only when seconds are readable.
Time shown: h=12 m=4 s=39
